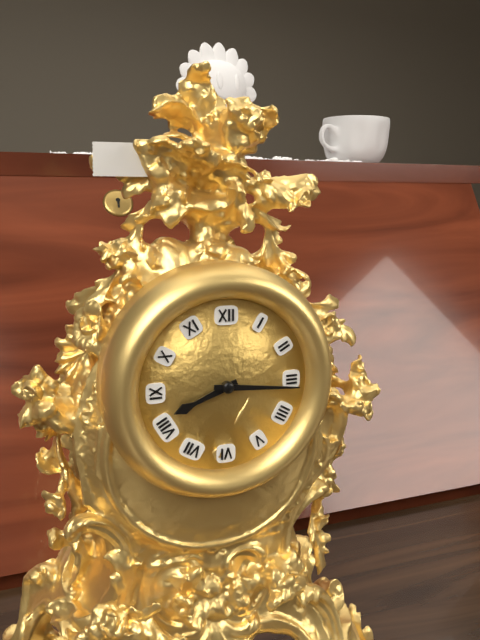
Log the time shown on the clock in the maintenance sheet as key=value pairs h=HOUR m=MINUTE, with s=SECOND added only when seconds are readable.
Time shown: h=8 m=16
